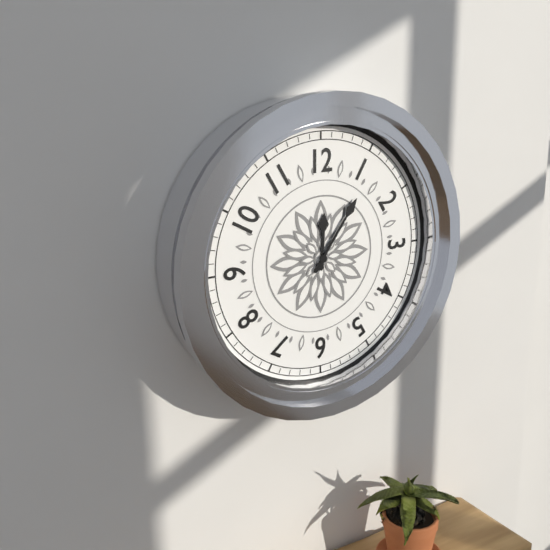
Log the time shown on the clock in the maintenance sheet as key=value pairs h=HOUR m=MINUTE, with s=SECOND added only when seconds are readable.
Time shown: h=12 m=6
